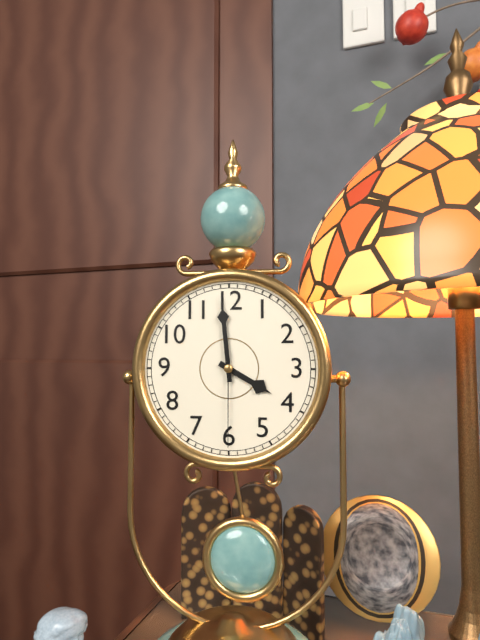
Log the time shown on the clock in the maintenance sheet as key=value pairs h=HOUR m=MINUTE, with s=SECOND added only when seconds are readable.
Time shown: h=3 m=59 s=30
